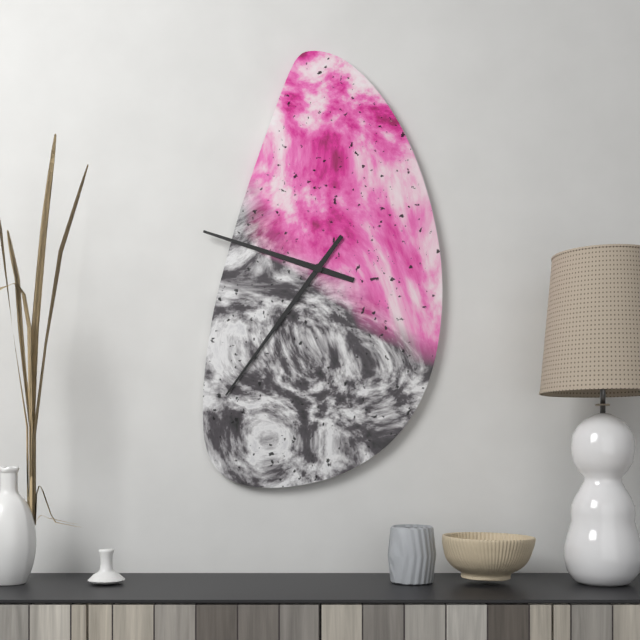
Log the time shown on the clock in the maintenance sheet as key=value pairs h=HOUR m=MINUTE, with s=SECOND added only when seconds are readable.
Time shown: h=9 m=36
